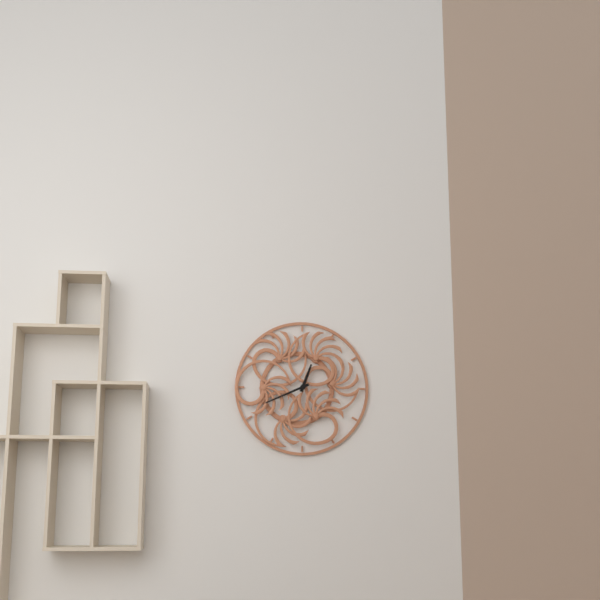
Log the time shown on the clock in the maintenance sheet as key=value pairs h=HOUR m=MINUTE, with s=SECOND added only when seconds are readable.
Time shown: h=12 m=41
